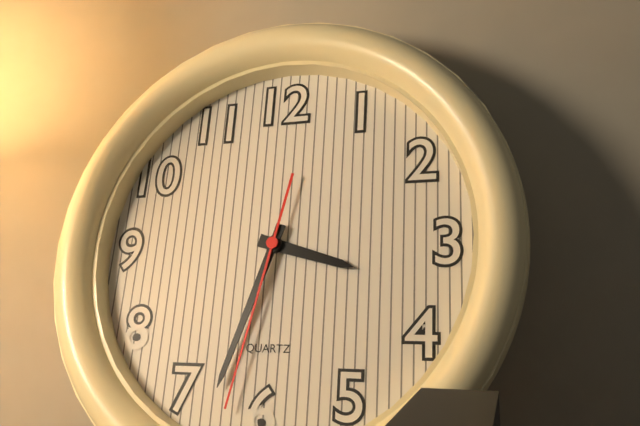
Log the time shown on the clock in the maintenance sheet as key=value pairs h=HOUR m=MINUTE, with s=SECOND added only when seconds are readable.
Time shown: h=3 m=33 s=32
